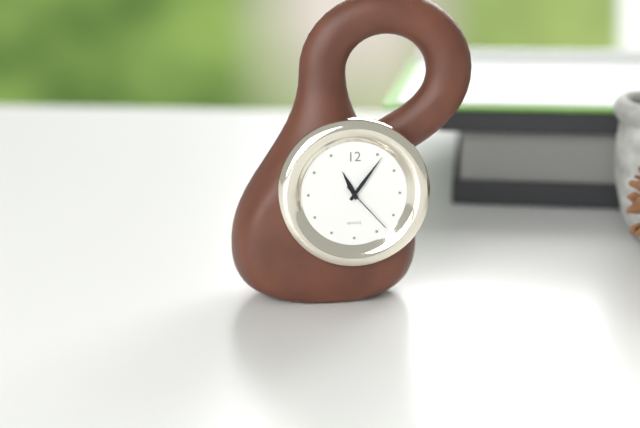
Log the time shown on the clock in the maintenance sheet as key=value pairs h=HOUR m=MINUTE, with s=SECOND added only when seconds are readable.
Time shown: h=11 m=6 s=23
